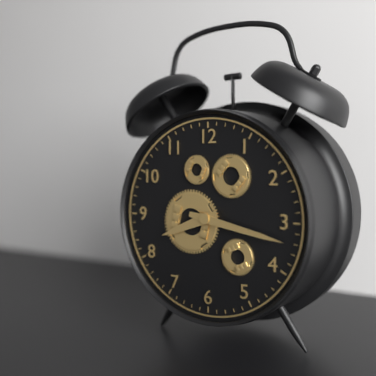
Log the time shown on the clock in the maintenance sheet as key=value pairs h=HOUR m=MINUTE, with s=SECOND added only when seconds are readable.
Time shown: h=8 m=17
